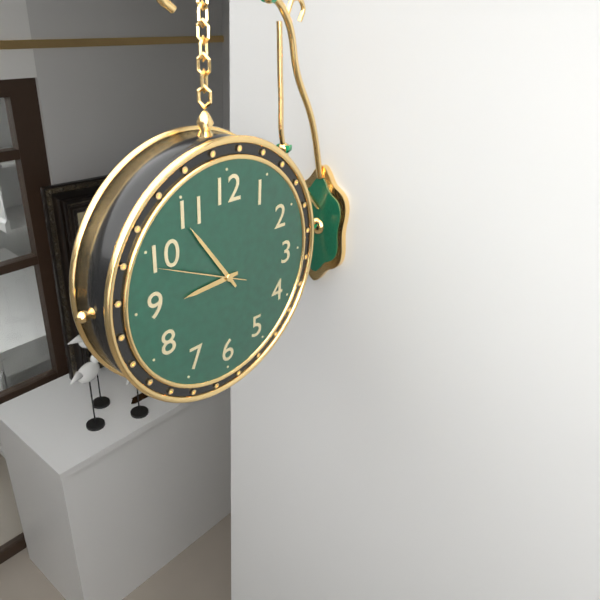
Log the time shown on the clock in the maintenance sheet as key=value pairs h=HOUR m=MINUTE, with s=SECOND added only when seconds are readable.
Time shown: h=8 m=54 s=49
